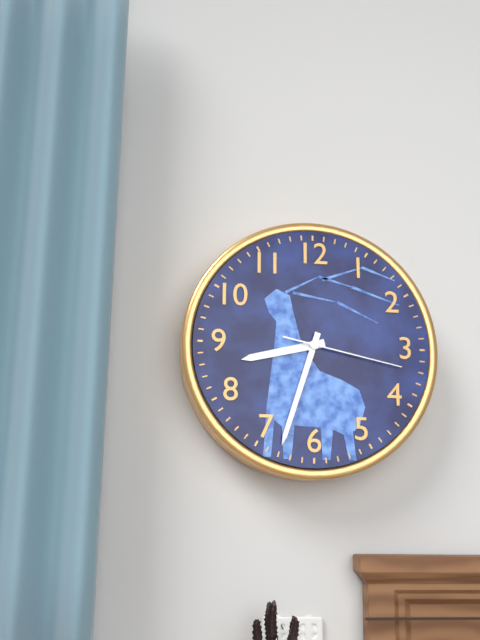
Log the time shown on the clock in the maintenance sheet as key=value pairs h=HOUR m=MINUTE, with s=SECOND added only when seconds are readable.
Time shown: h=8 m=33 s=17
